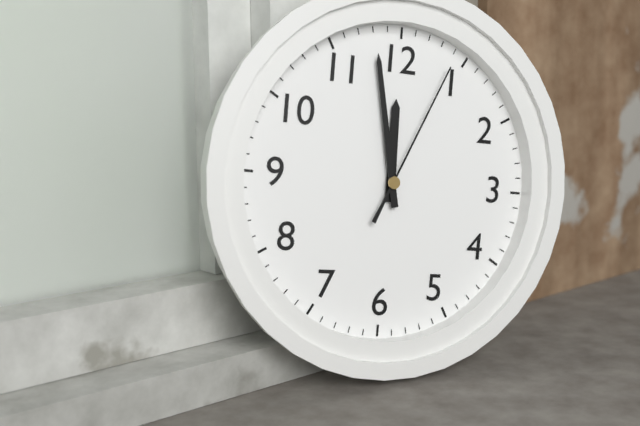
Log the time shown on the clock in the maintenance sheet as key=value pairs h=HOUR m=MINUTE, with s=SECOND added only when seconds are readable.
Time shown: h=11 m=58 s=4
